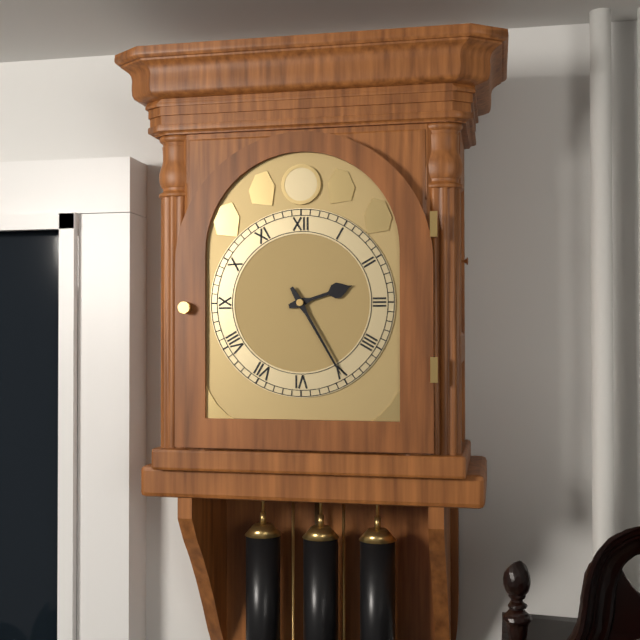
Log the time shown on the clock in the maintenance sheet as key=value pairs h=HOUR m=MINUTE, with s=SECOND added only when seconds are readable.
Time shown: h=2 m=25
